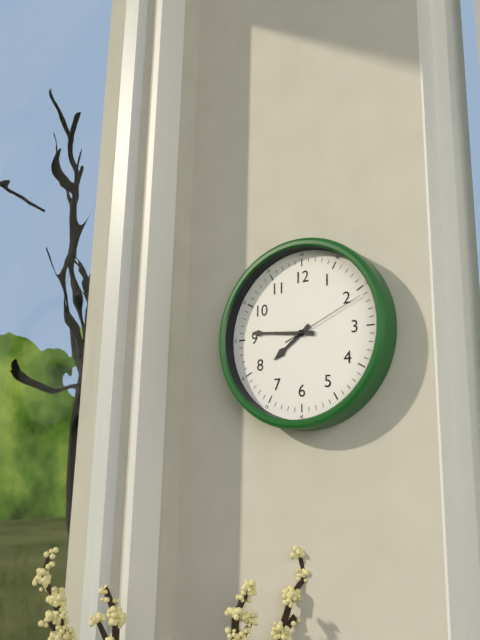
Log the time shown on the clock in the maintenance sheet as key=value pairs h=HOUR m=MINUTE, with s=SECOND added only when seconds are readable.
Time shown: h=7 m=46 s=11
